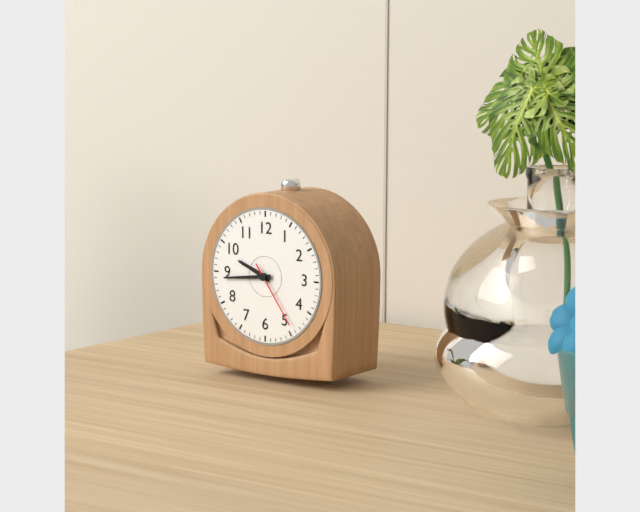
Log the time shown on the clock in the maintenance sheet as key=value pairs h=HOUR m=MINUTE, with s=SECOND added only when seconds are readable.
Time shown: h=9 m=44 s=24
